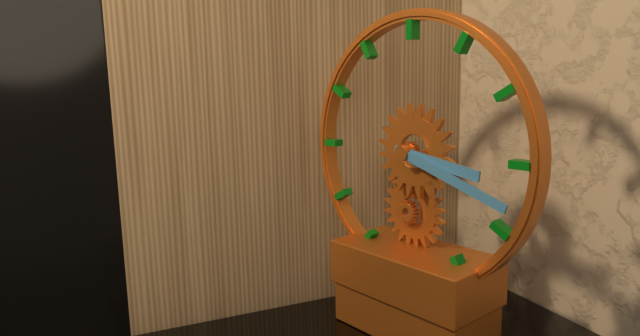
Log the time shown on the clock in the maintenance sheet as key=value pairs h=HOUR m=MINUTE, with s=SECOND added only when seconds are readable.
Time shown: h=3 m=18
